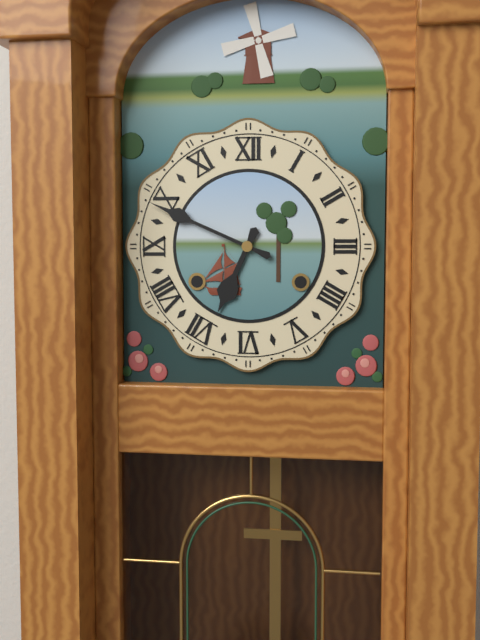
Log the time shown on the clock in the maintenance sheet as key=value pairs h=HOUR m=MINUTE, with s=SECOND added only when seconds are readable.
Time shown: h=6 m=49
